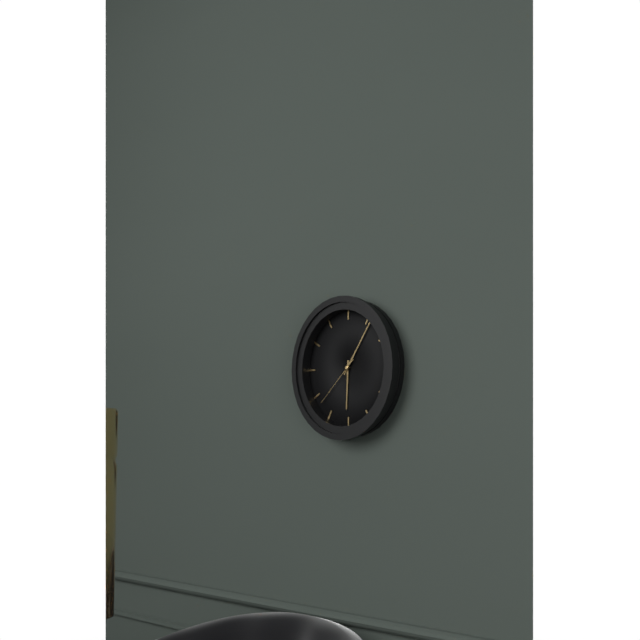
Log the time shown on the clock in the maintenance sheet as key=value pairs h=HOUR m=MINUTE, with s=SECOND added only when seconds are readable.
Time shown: h=6 m=6 s=38
